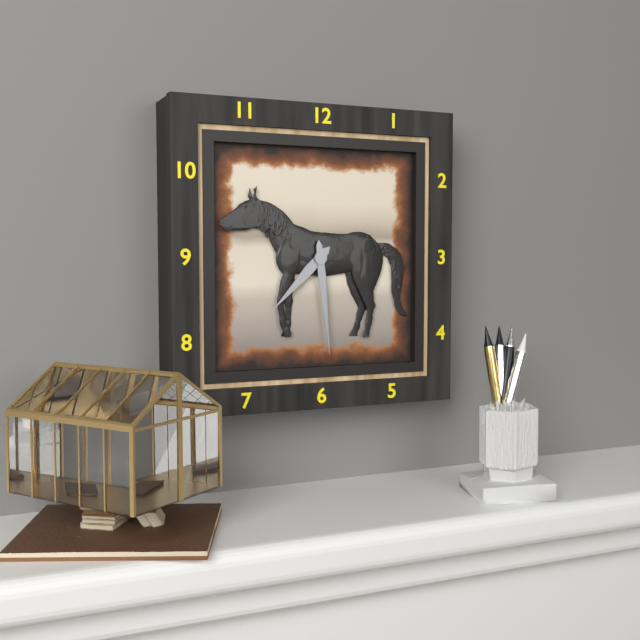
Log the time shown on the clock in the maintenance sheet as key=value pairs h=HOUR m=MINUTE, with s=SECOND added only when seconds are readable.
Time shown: h=7 m=29
